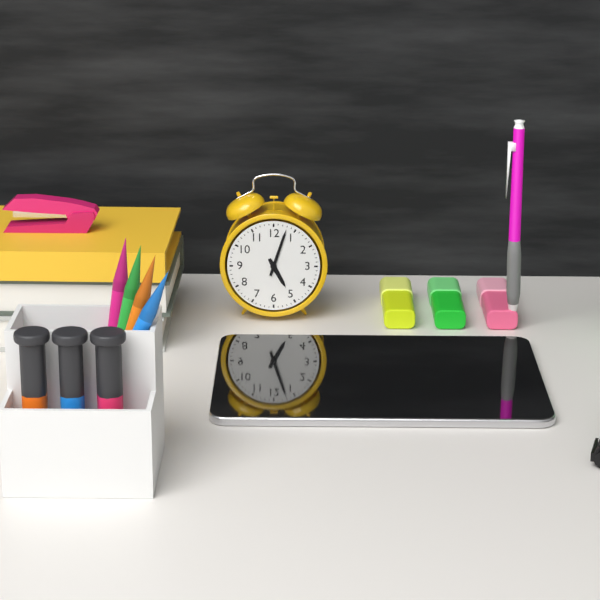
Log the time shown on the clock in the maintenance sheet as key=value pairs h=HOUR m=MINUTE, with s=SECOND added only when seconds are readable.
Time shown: h=5 m=3
